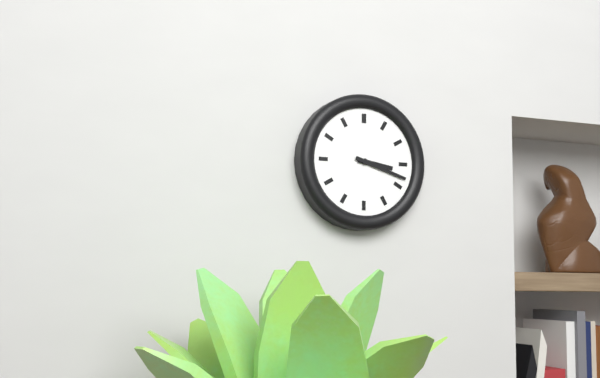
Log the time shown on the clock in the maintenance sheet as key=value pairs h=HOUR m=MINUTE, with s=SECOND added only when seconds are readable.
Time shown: h=3 m=18
